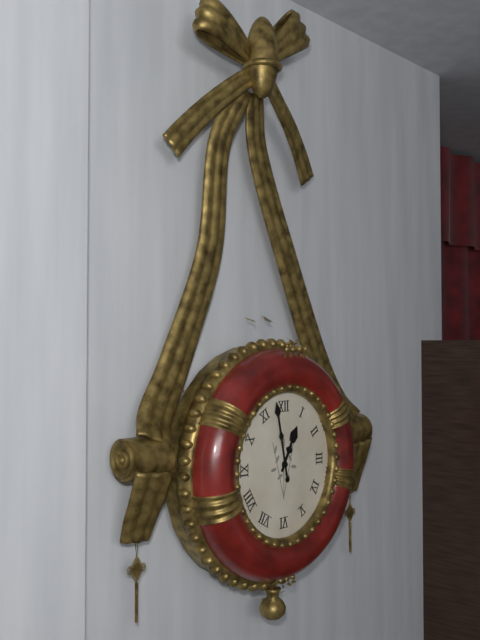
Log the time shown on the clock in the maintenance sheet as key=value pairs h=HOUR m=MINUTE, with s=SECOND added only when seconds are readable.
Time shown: h=12 m=58
